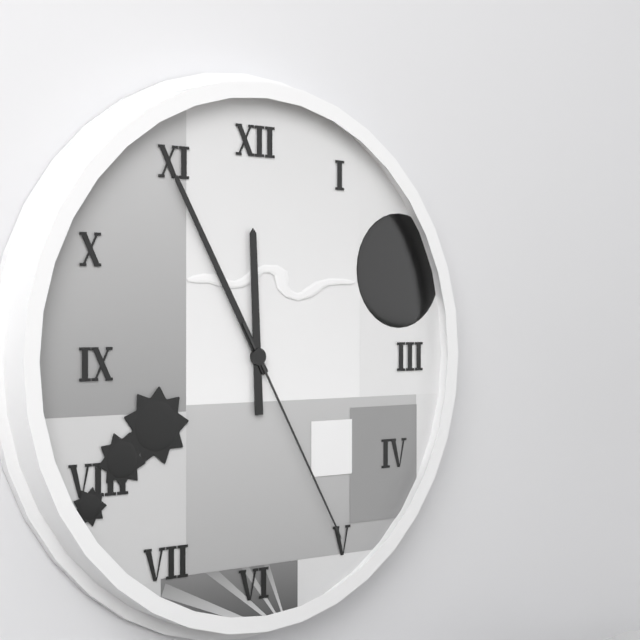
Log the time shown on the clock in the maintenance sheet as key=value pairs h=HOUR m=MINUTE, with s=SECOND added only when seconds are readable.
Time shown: h=11 m=55 s=25
